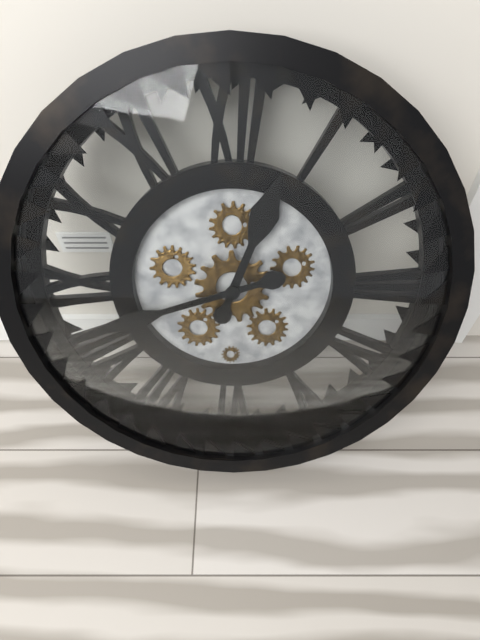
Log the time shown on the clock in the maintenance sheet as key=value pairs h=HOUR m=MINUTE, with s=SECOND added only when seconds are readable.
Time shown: h=12 m=42
